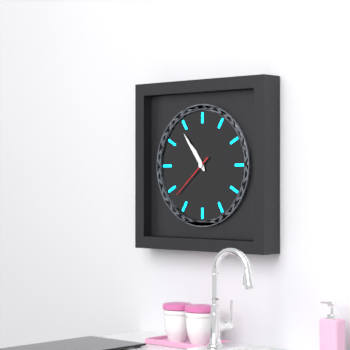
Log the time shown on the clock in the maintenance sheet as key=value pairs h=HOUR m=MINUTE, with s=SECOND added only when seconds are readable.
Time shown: h=10 m=54
